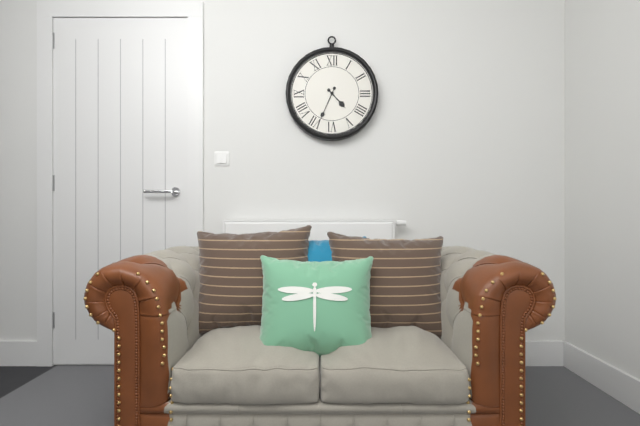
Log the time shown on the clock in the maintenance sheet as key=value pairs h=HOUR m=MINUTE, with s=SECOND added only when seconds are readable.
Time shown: h=4 m=34
